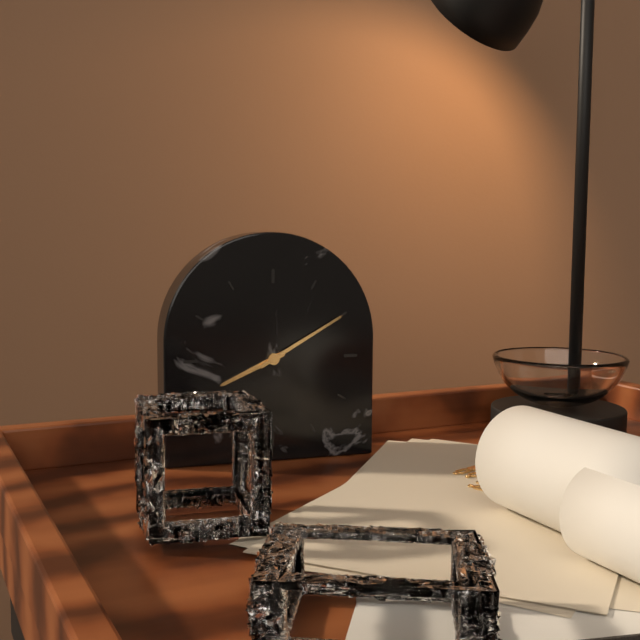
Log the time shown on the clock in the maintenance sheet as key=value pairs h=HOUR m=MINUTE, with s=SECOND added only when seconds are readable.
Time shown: h=8 m=10
